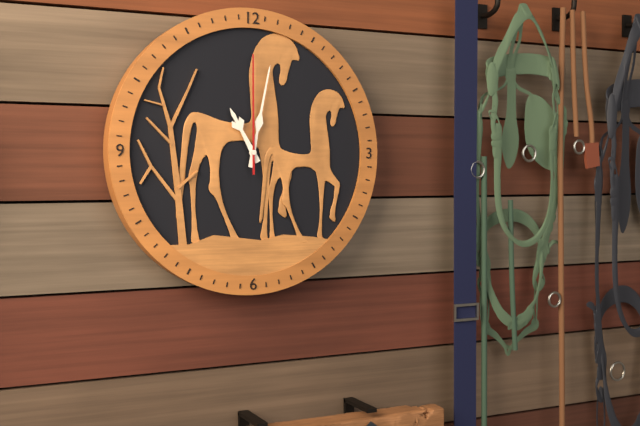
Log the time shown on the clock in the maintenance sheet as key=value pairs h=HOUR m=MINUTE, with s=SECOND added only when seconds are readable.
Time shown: h=11 m=2 s=0
